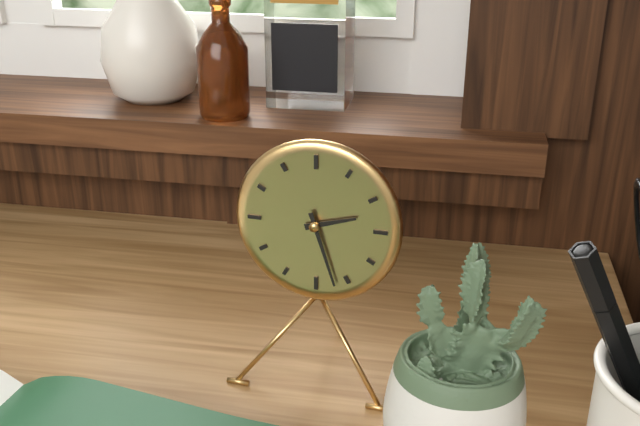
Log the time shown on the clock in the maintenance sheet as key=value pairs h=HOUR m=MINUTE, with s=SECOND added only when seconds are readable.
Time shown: h=2 m=27
